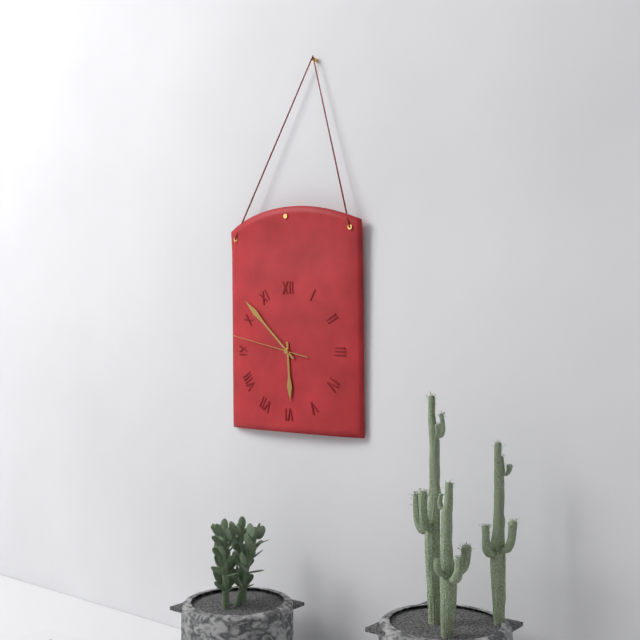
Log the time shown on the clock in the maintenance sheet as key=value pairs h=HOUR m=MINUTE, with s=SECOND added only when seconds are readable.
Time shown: h=5 m=52 s=47
